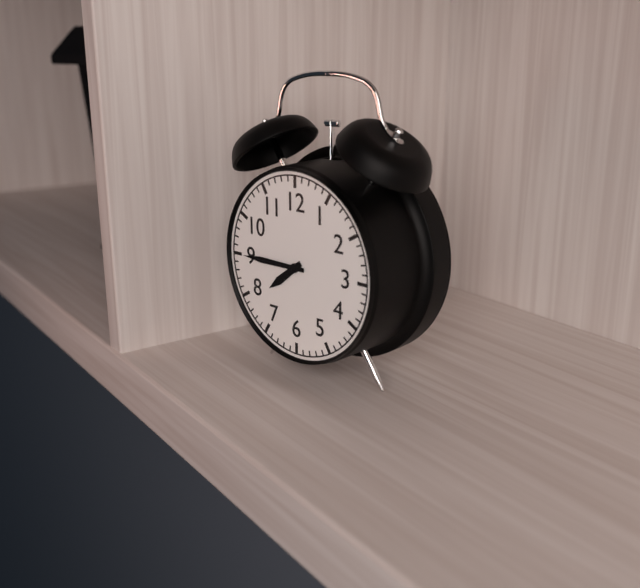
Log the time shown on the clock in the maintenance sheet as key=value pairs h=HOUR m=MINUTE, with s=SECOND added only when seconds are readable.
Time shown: h=7 m=45
